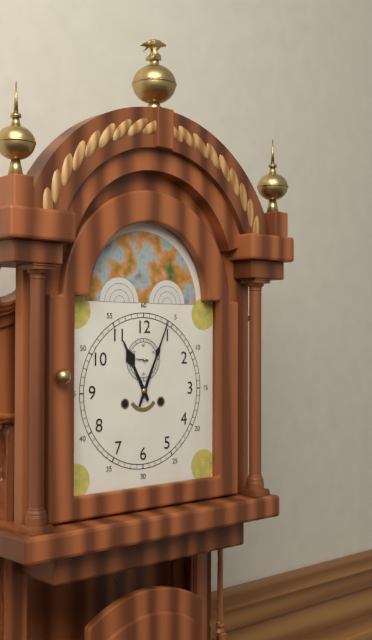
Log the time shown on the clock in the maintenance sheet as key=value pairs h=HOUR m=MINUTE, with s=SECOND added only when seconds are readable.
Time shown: h=11 m=4
